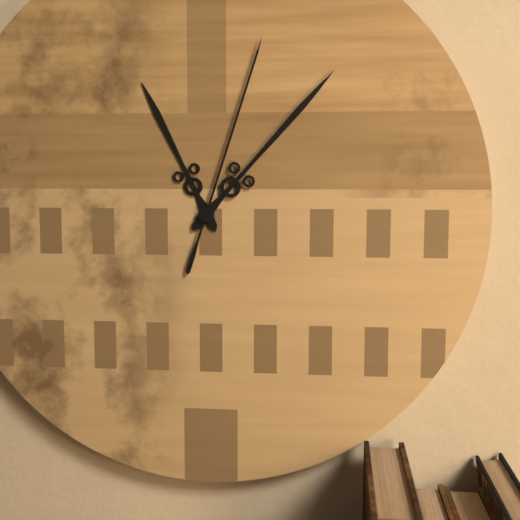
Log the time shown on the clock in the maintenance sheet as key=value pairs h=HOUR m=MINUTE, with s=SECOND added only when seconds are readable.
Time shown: h=11 m=7 s=3
